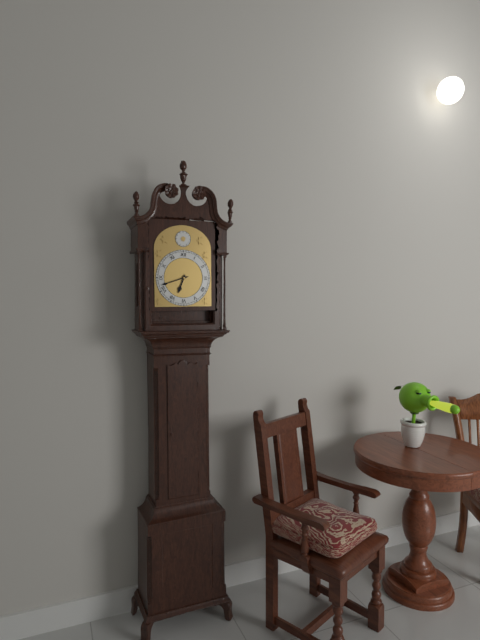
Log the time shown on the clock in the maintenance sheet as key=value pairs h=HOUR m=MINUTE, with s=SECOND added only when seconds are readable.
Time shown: h=6 m=42
